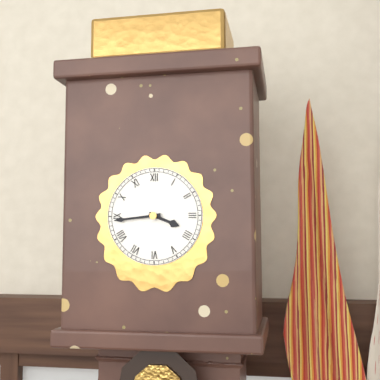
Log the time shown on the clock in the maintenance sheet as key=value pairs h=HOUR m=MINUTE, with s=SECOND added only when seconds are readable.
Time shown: h=3 m=44
